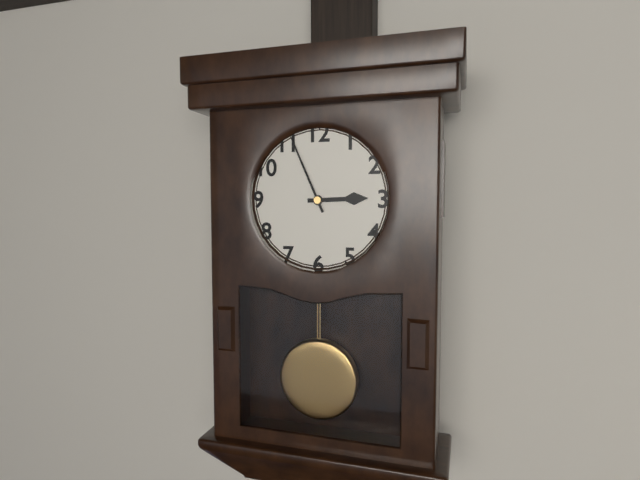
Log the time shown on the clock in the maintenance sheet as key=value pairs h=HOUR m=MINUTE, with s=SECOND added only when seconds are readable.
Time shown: h=2 m=56
